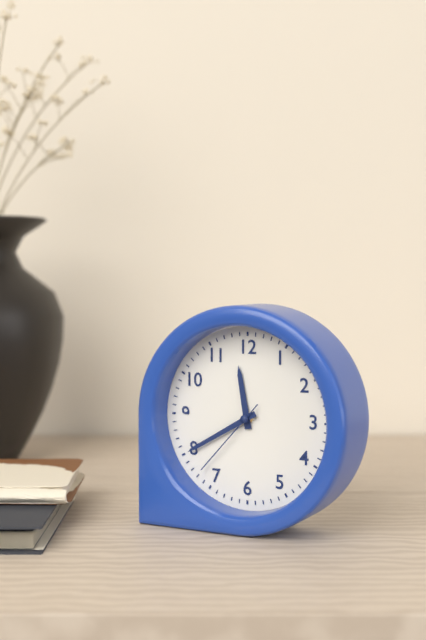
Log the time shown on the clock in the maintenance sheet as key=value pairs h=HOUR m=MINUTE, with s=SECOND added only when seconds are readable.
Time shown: h=11 m=40 s=37
